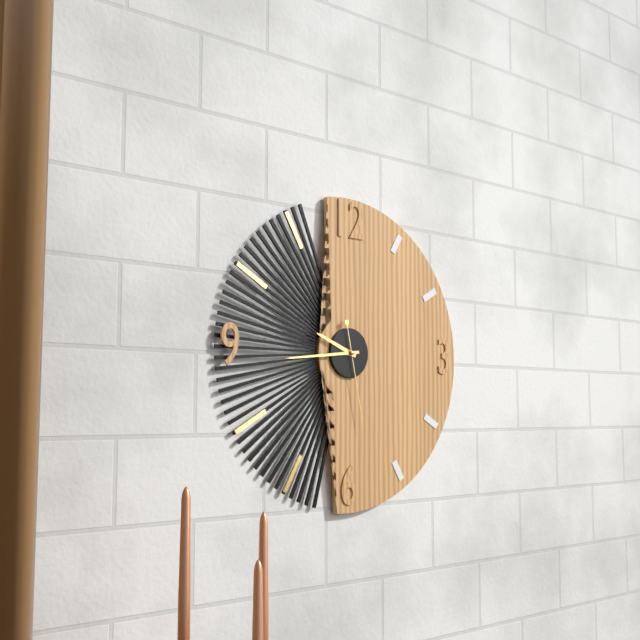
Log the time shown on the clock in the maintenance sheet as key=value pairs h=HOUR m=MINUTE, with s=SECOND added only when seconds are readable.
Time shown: h=9 m=44 s=28
